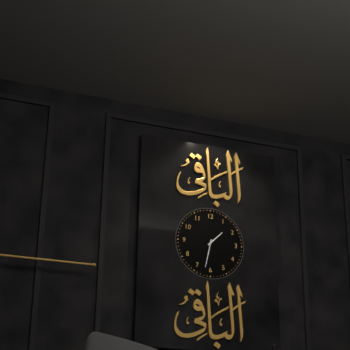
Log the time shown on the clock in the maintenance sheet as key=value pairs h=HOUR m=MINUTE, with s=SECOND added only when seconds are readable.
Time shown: h=1 m=32
